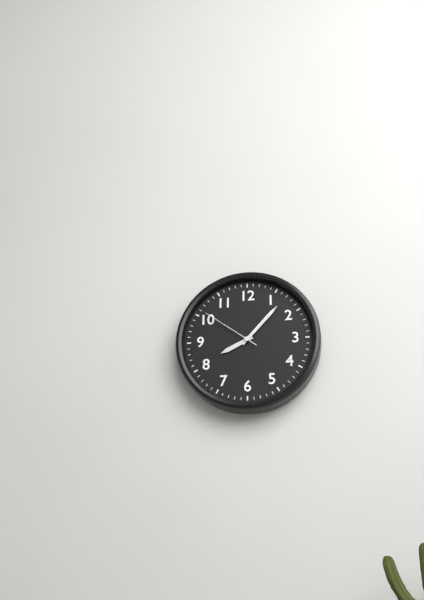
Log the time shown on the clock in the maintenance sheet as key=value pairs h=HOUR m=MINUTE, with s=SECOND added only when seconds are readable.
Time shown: h=8 m=7 s=51
